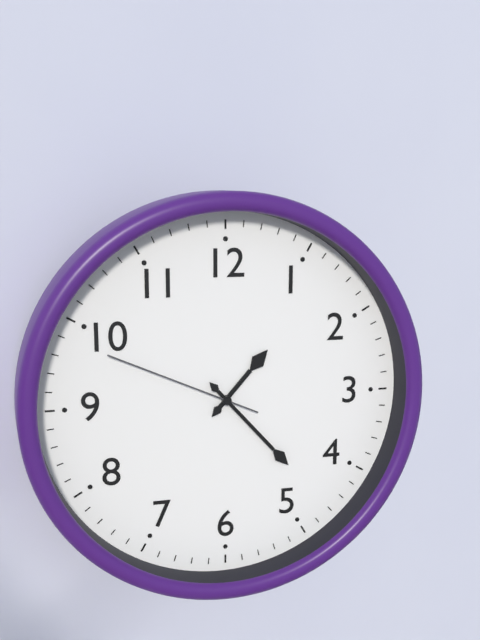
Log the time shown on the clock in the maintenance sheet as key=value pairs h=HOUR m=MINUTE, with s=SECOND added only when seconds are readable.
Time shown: h=1 m=23 s=49
